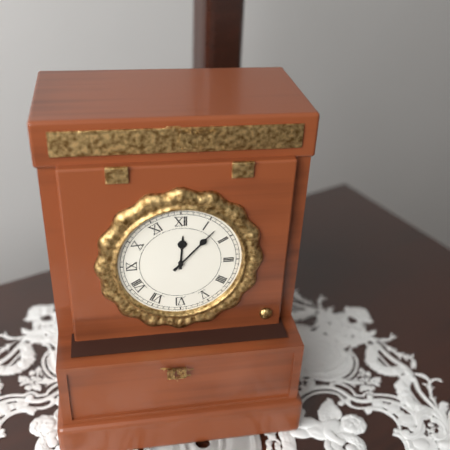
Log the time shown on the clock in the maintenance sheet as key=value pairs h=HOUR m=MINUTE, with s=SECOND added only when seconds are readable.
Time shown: h=12 m=7
